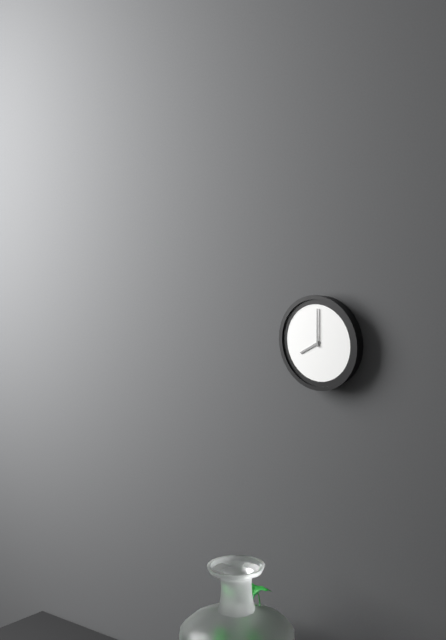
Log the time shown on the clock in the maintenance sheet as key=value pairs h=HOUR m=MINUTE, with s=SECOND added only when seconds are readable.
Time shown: h=8 m=0
